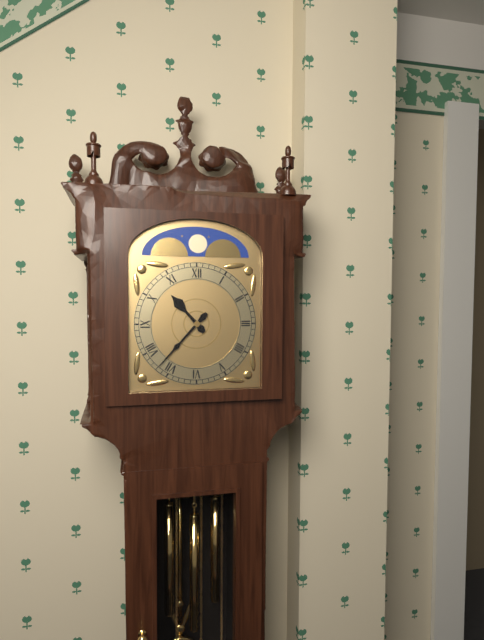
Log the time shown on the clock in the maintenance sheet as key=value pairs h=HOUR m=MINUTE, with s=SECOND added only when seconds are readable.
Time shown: h=10 m=37
